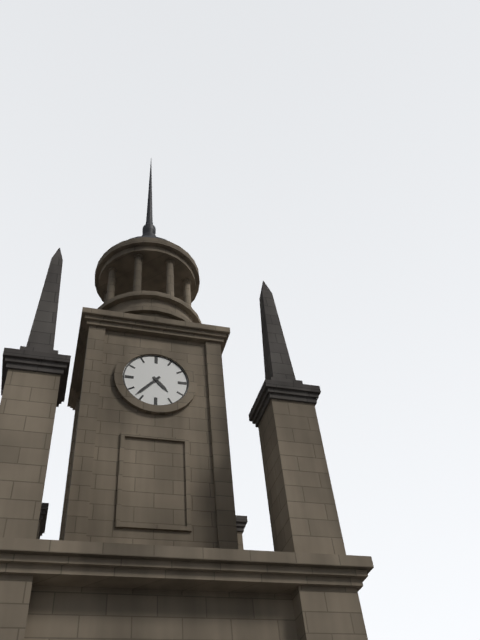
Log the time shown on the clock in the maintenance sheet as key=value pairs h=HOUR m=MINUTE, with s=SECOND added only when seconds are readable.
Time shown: h=4 m=37
